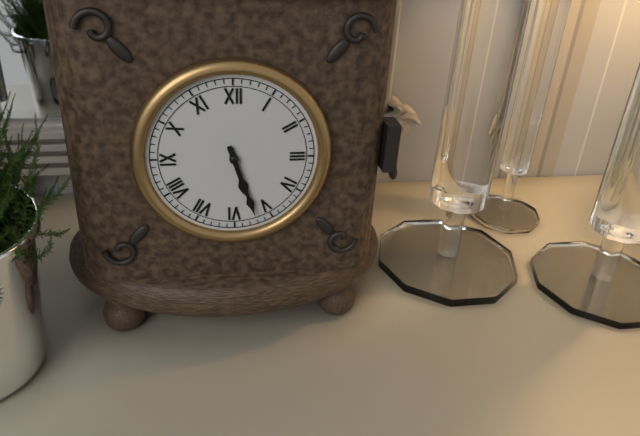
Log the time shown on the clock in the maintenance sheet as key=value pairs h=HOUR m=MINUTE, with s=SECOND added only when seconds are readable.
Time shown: h=5 m=27
